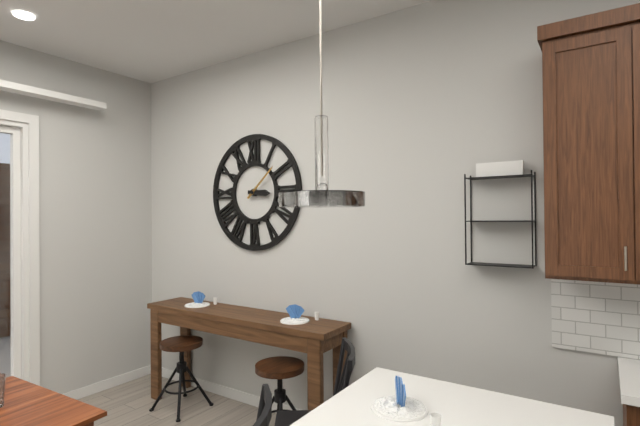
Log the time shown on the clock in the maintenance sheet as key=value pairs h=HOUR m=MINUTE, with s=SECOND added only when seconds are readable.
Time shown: h=3 m=8
